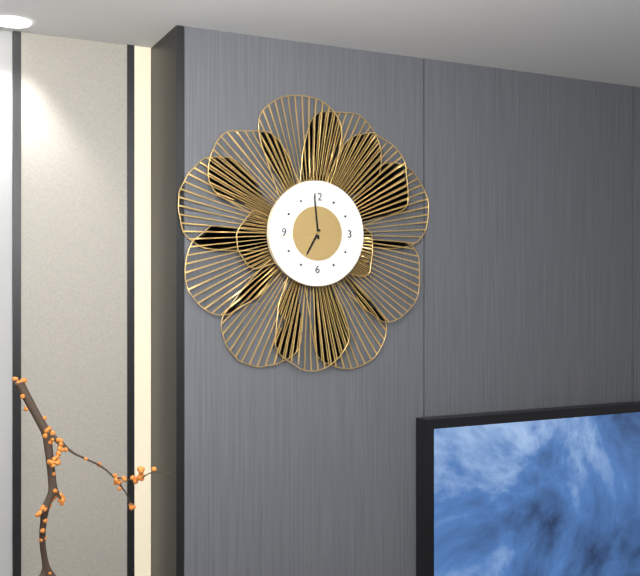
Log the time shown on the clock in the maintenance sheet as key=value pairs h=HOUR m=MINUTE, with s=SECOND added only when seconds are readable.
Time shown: h=6 m=59
